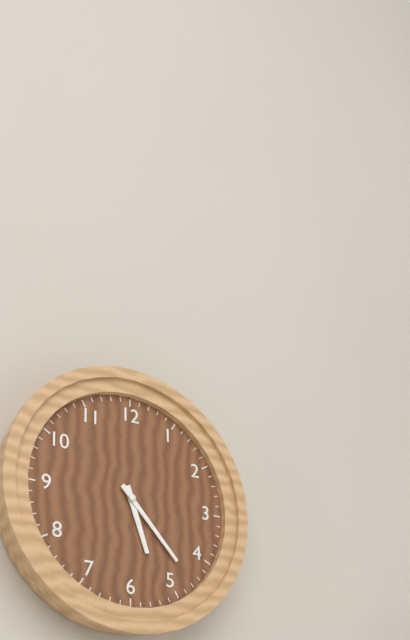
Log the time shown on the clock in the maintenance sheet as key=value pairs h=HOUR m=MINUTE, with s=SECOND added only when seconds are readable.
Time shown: h=5 m=23
